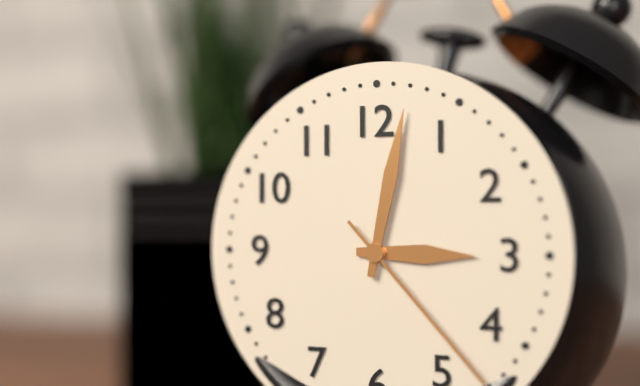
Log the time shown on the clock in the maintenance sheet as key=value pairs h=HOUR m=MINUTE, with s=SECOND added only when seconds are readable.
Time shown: h=3 m=2 s=23
